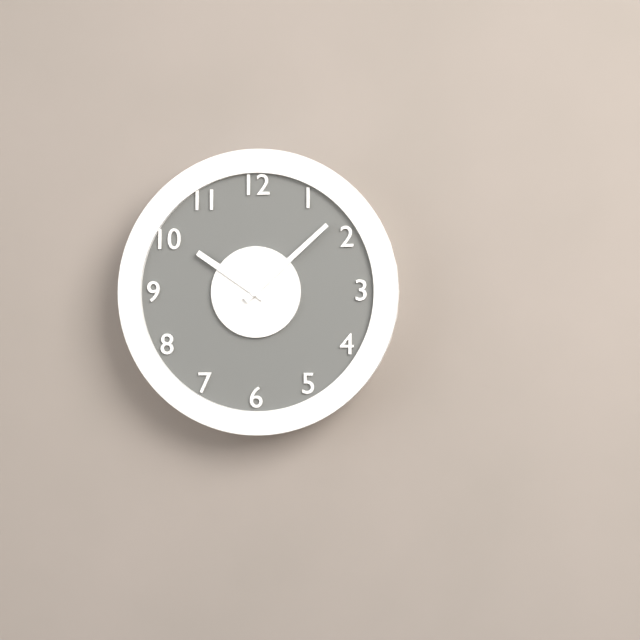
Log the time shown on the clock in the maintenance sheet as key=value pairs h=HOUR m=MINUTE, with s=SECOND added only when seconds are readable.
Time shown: h=10 m=8
